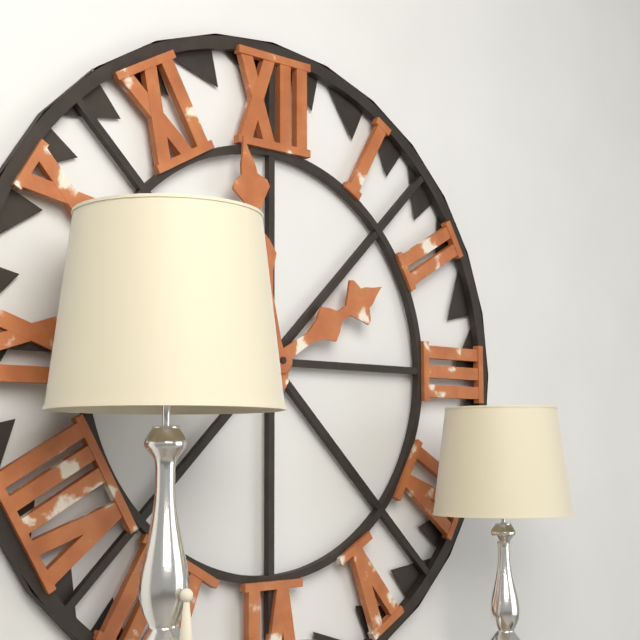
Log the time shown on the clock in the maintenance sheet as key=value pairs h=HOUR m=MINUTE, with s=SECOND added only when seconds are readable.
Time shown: h=1 m=58
